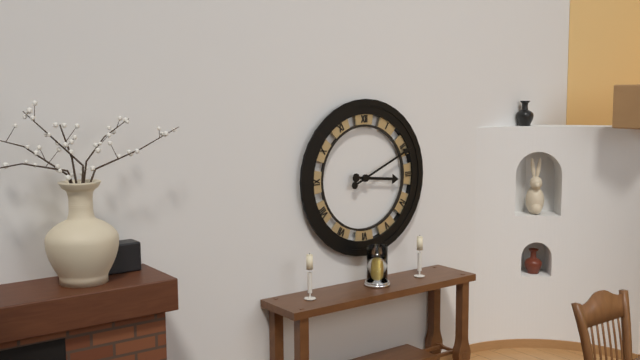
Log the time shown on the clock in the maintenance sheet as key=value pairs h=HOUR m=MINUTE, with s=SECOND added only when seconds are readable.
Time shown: h=3 m=11
